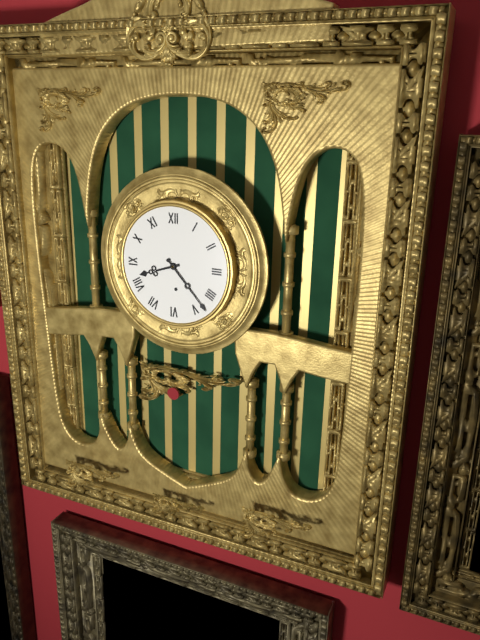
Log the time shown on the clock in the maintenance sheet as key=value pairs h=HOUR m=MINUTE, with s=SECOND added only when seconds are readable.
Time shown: h=8 m=23
